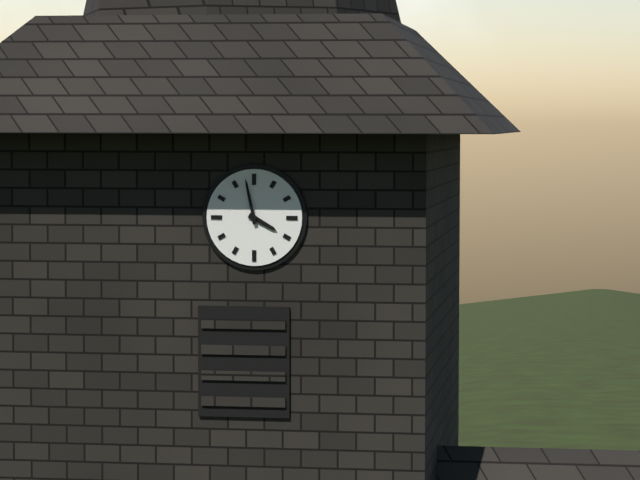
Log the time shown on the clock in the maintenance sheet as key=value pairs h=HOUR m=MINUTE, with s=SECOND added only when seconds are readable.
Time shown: h=3 m=58
